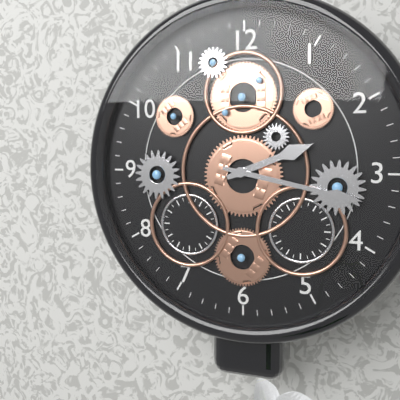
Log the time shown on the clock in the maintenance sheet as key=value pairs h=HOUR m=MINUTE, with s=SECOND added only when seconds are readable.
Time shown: h=2 m=17
